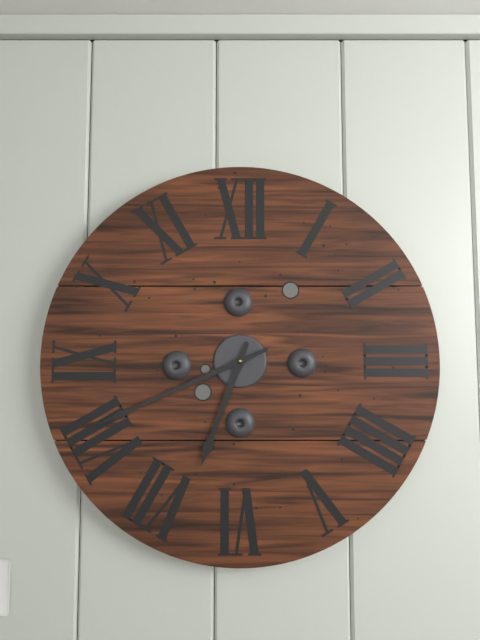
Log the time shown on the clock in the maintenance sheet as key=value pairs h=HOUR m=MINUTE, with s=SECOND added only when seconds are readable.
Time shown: h=6 m=41
